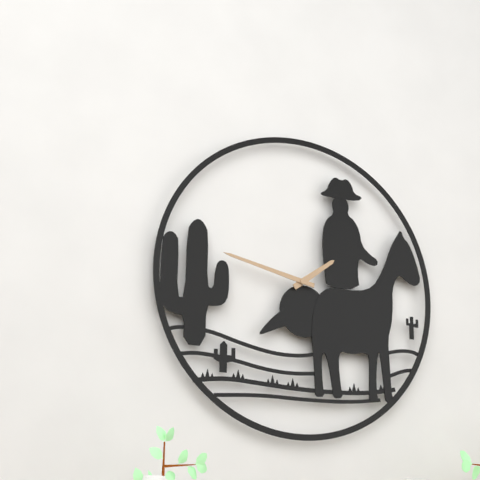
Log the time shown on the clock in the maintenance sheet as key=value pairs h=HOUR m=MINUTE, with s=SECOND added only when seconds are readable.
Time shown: h=1 m=47
